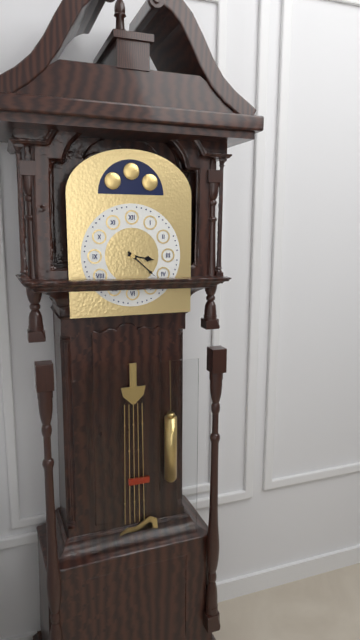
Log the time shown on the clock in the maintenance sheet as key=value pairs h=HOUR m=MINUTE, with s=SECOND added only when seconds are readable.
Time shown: h=3 m=22
